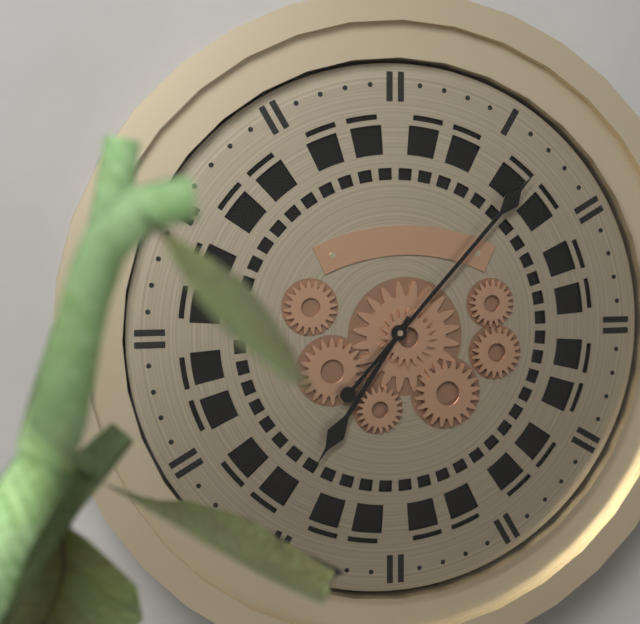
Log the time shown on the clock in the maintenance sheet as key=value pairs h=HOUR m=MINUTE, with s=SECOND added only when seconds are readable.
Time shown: h=7 m=7
